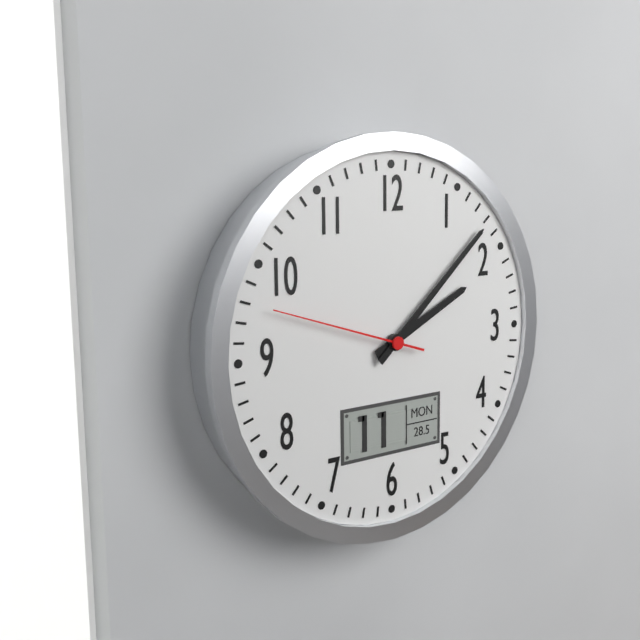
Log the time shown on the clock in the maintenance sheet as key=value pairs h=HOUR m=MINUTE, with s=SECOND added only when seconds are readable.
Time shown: h=2 m=8 s=48
